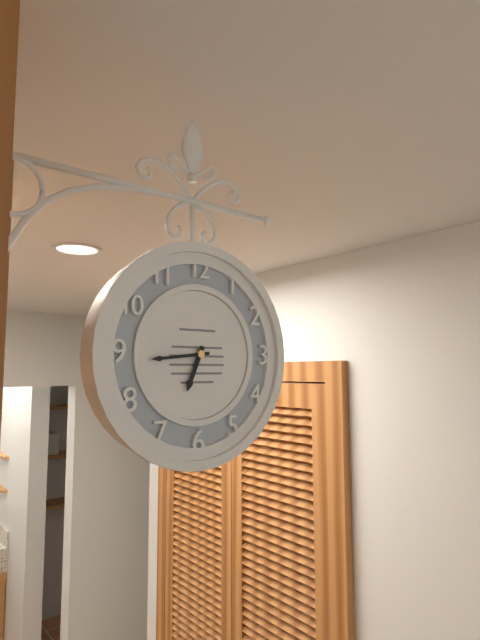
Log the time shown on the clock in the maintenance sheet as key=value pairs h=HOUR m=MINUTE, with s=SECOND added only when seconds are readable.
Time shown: h=6 m=44
